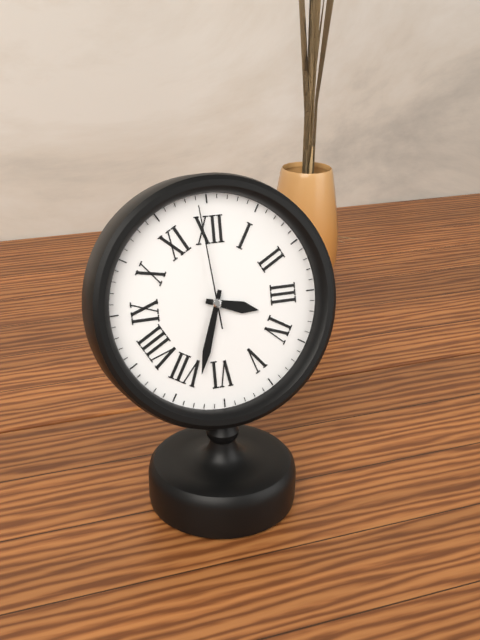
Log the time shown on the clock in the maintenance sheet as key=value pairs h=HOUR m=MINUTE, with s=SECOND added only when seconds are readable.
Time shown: h=3 m=33 s=59
